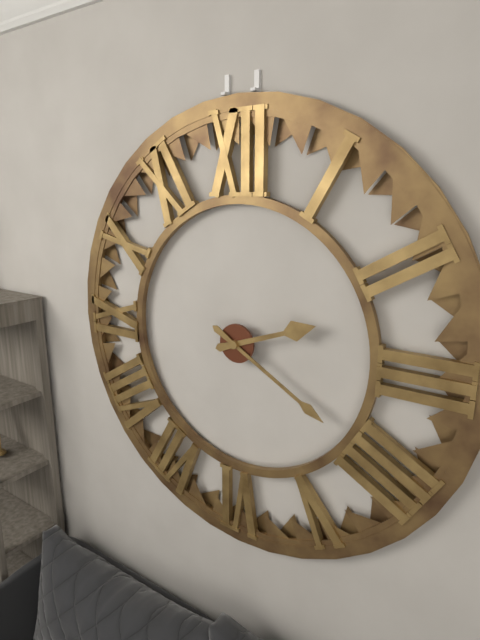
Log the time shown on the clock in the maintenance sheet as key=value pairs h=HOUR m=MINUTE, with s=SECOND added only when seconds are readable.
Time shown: h=2 m=20
